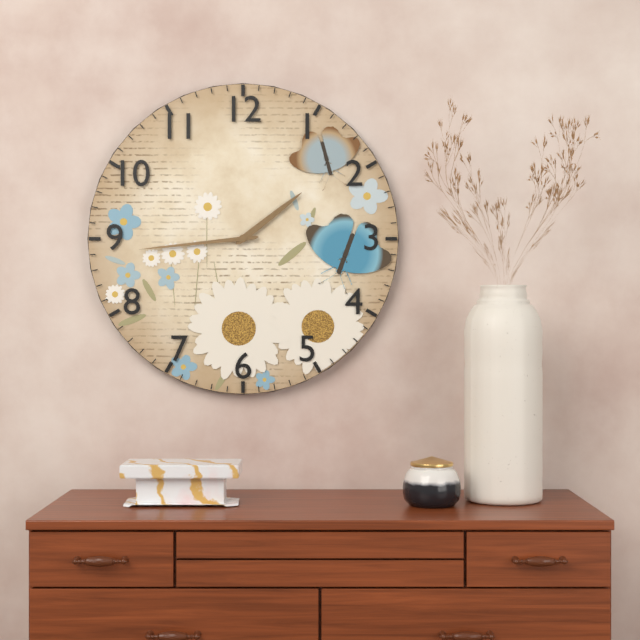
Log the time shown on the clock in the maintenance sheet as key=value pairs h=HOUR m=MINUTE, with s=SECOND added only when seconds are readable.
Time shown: h=1 m=44
